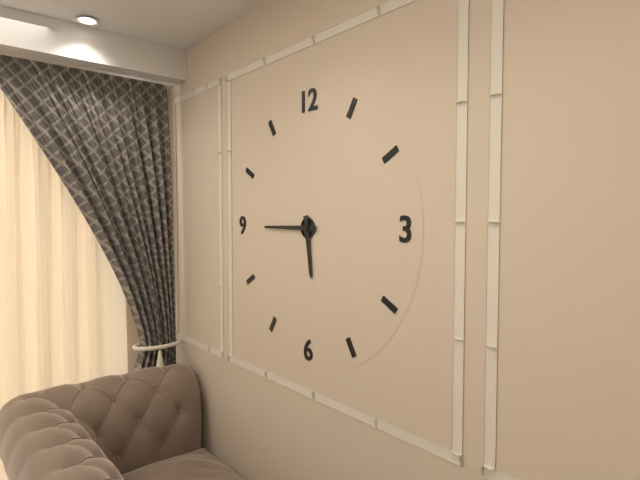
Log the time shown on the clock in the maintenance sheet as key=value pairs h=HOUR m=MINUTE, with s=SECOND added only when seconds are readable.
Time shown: h=5 m=45
